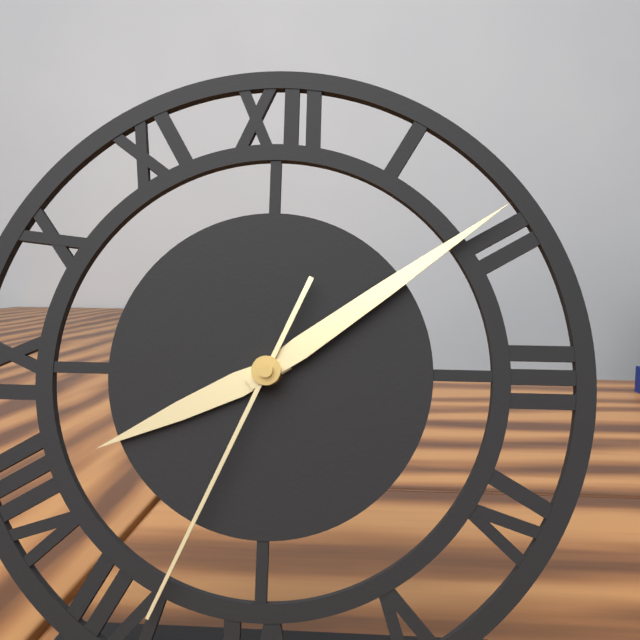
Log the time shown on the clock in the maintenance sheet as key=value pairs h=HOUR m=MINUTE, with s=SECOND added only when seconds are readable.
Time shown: h=8 m=9 s=34
